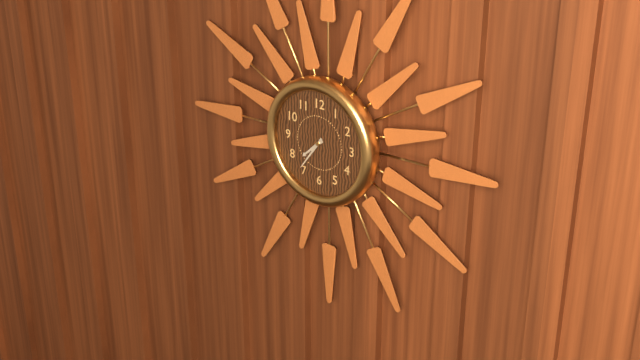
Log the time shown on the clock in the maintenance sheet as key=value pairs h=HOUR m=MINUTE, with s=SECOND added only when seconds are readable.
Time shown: h=7 m=36
